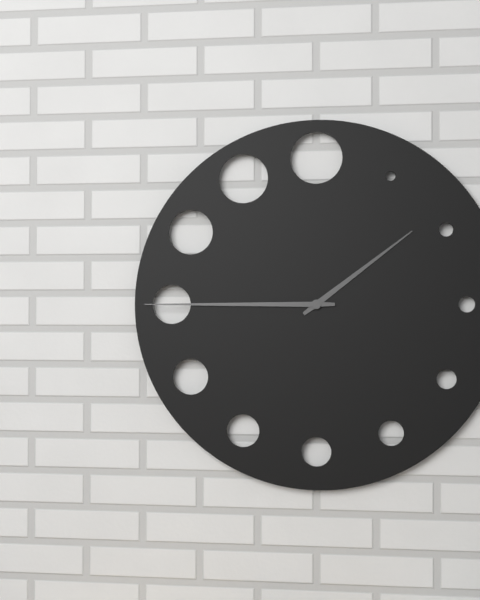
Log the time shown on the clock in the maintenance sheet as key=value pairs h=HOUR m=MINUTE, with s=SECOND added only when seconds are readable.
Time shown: h=1 m=45
